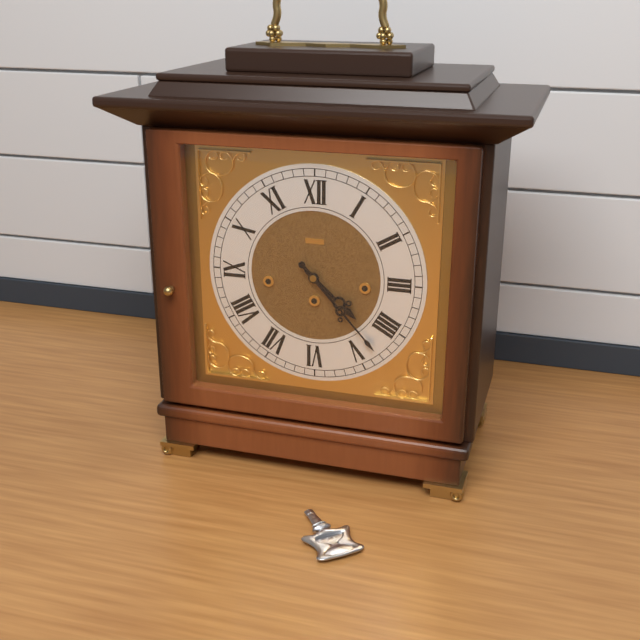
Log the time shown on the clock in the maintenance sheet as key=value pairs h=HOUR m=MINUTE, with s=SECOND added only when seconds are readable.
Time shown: h=4 m=23
